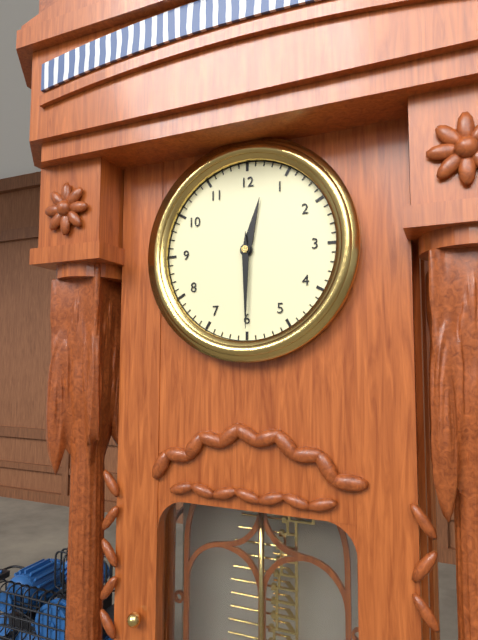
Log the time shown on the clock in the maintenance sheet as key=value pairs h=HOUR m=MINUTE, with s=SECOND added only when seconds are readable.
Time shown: h=12 m=30
